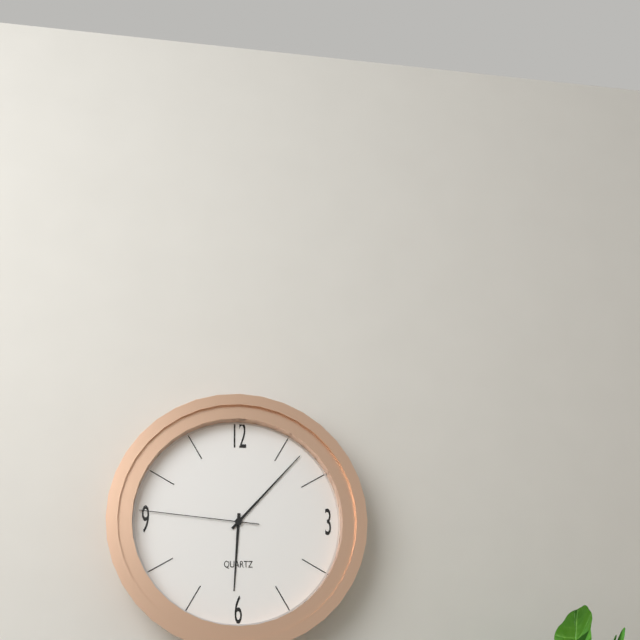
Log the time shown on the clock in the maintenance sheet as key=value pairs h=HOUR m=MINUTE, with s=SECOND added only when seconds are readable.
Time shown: h=6 m=7 s=46
